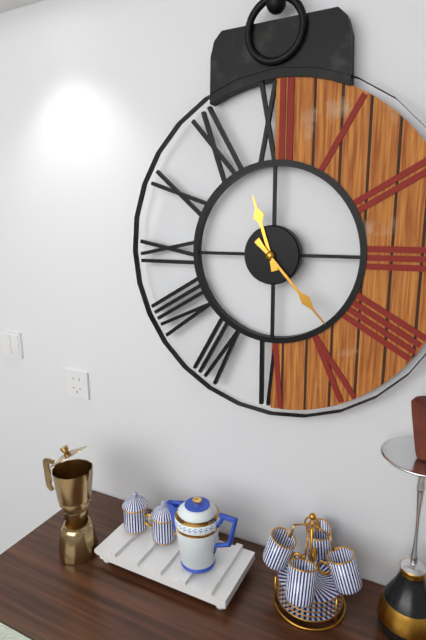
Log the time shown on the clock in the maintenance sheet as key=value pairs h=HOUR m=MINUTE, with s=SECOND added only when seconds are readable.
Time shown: h=11 m=23
